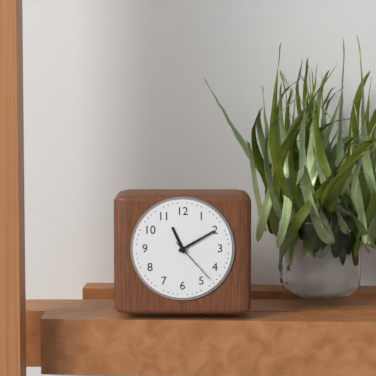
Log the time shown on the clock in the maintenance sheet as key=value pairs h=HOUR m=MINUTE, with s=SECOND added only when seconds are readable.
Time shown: h=11 m=10 s=23
